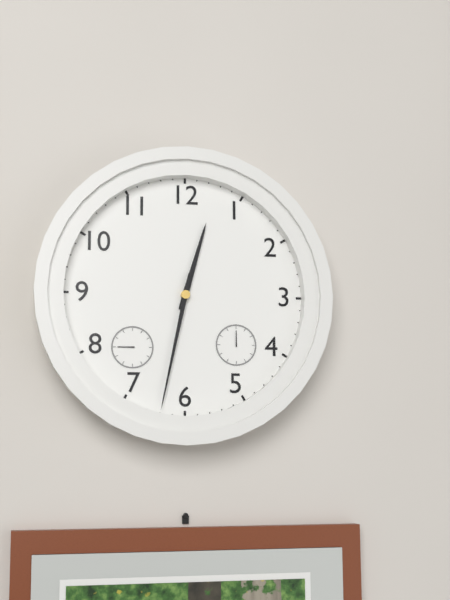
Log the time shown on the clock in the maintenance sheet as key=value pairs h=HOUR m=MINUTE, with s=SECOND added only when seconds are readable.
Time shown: h=12 m=32
